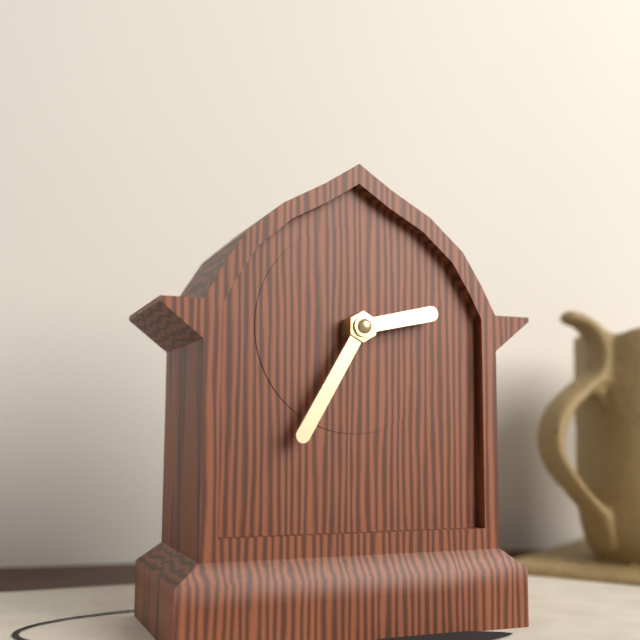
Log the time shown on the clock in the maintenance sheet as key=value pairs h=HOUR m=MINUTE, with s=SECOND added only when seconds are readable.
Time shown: h=2 m=35
